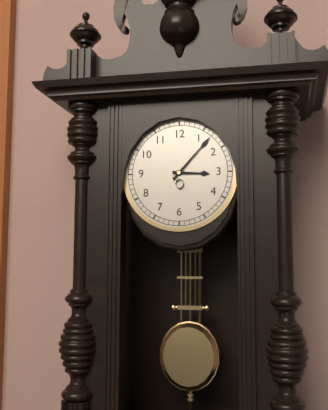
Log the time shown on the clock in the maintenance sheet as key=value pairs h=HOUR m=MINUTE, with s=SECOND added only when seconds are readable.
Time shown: h=3 m=7
